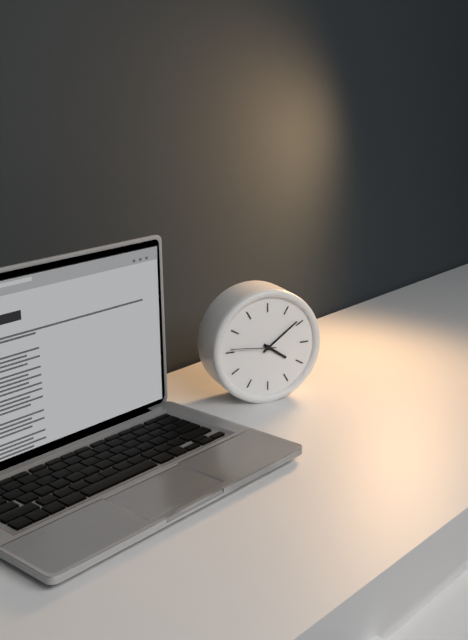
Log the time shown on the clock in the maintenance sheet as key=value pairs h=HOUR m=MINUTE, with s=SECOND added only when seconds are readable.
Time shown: h=4 m=9
